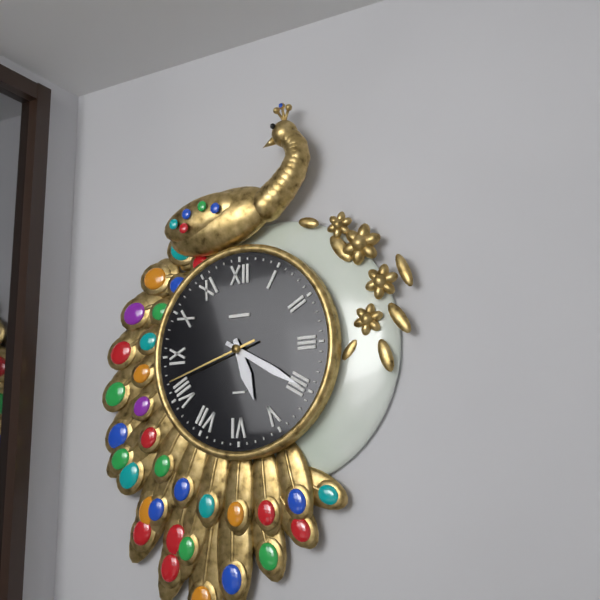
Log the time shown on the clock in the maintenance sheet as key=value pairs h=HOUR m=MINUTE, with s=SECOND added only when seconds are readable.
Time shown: h=5 m=20 s=42
